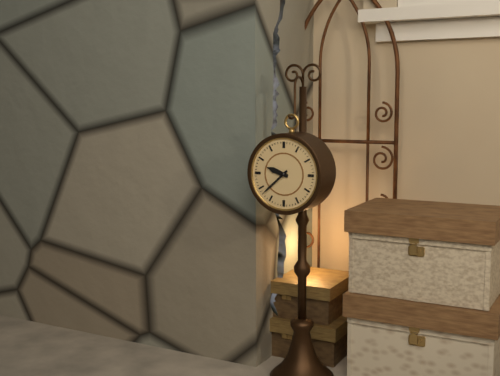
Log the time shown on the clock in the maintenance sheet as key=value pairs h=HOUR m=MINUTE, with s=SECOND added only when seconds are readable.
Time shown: h=9 m=38
